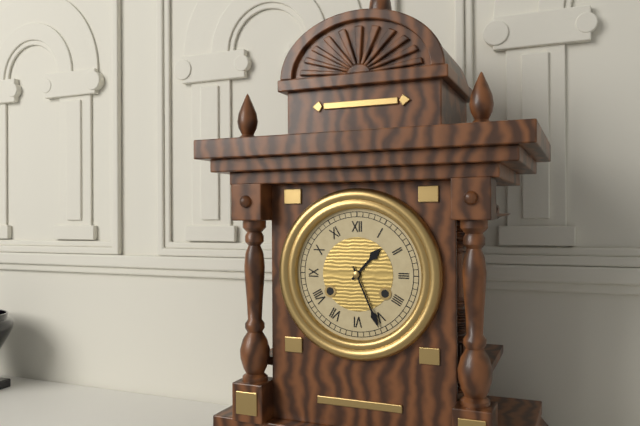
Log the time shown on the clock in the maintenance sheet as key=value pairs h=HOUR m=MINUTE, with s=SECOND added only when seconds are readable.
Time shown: h=1 m=26
